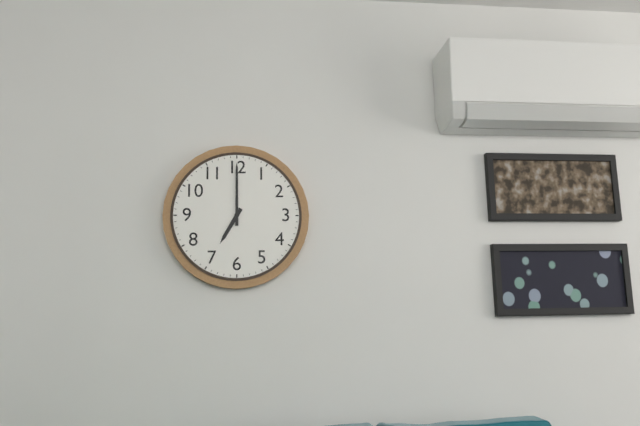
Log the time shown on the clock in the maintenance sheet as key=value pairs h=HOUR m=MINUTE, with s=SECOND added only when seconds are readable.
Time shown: h=7 m=0
